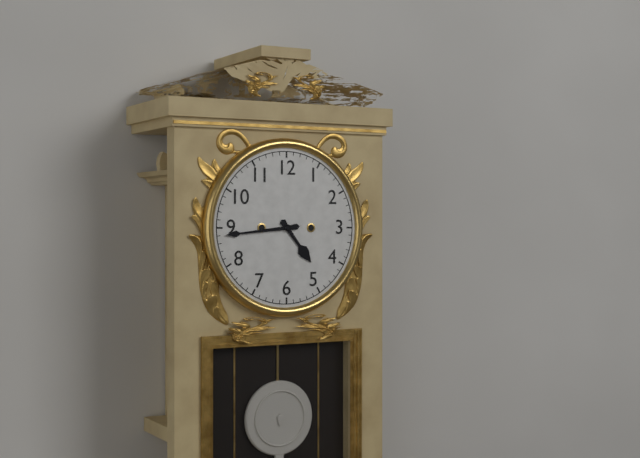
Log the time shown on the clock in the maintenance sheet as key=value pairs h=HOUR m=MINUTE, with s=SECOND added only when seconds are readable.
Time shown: h=4 m=44
